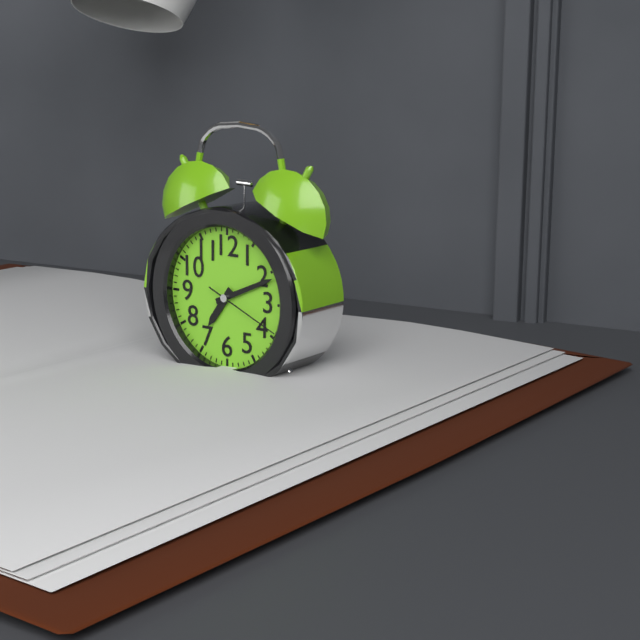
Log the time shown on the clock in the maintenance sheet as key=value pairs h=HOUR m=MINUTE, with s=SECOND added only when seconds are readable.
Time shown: h=7 m=11 s=19
